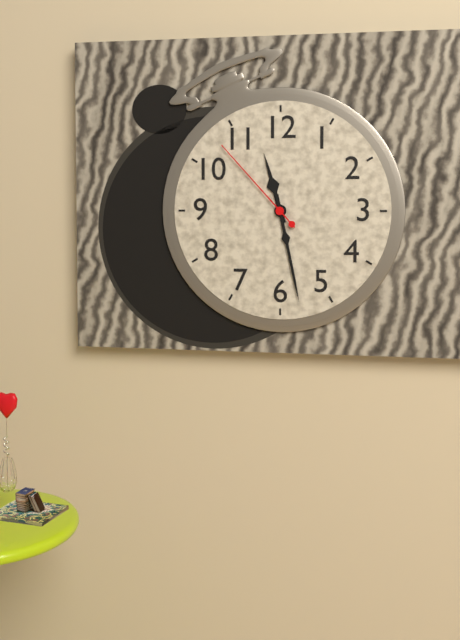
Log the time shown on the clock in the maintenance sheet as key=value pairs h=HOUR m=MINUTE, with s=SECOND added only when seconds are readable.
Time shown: h=11 m=28 s=53
